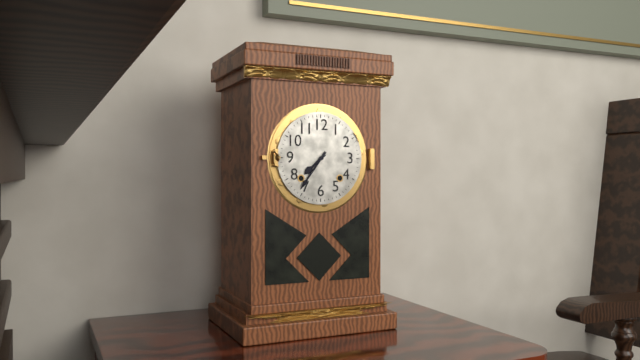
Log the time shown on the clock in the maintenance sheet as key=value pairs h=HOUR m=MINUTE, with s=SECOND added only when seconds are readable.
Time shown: h=7 m=36
